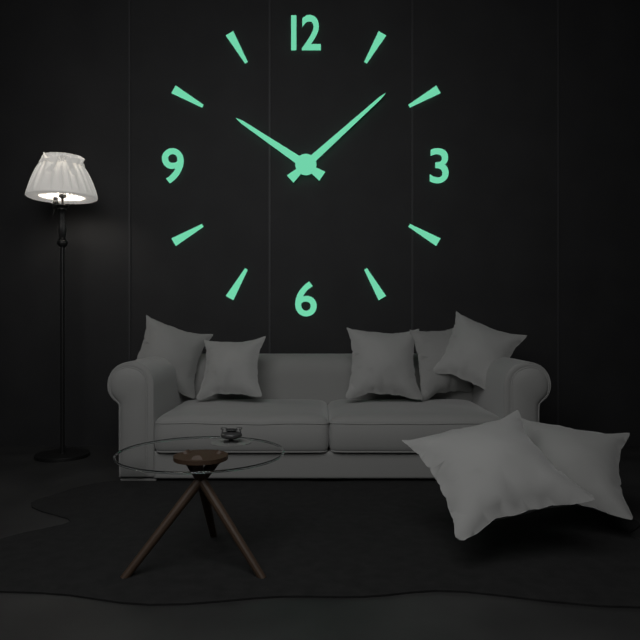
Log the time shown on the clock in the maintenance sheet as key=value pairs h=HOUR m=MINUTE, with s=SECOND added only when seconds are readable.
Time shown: h=10 m=8
